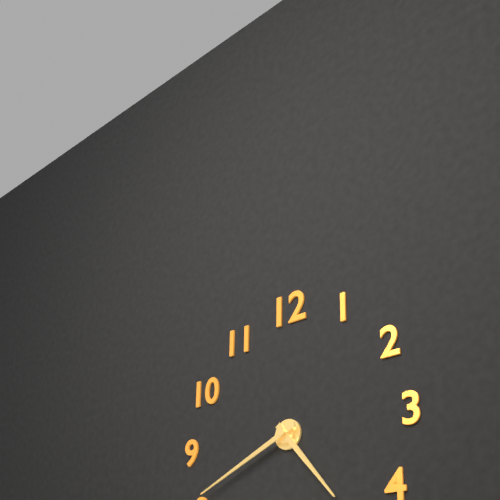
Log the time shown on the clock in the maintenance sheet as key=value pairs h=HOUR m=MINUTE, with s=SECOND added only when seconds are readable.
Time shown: h=4 m=41
